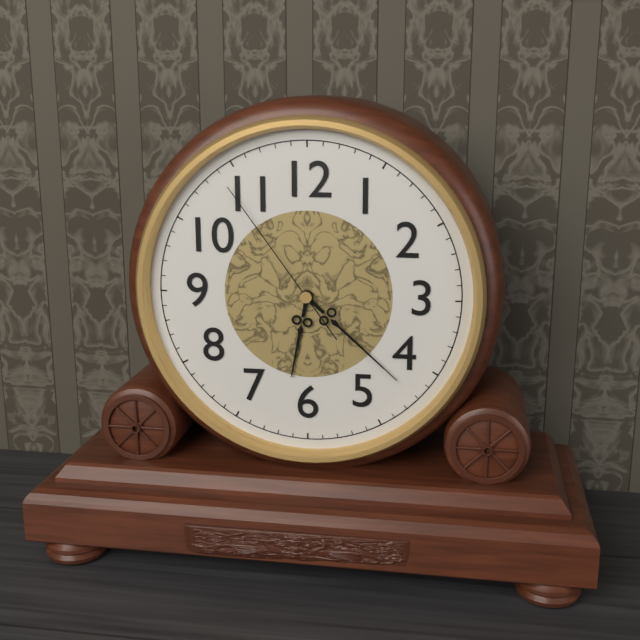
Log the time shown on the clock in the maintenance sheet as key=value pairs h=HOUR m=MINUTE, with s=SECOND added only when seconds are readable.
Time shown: h=6 m=22 s=54
